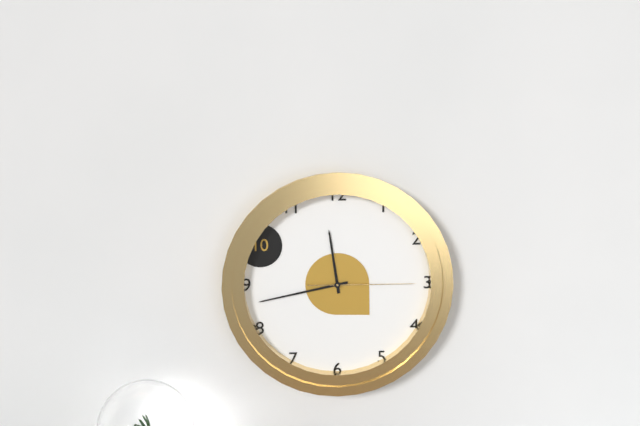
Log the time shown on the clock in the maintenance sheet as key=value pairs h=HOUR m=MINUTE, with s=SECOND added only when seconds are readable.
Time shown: h=11 m=43 s=15
